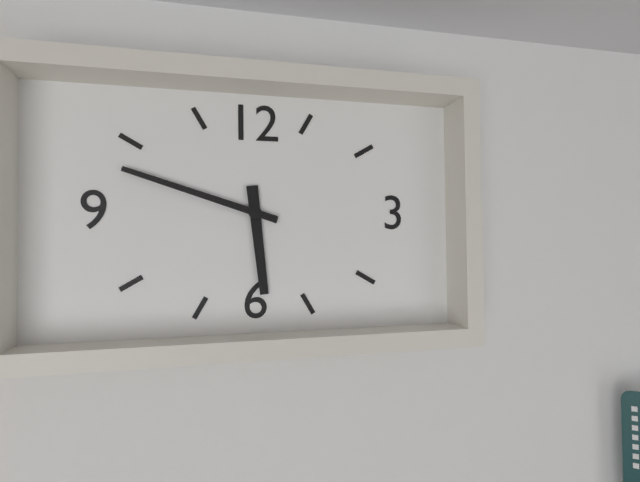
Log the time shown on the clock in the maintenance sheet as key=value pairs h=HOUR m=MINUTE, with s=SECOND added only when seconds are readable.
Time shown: h=5 m=48
